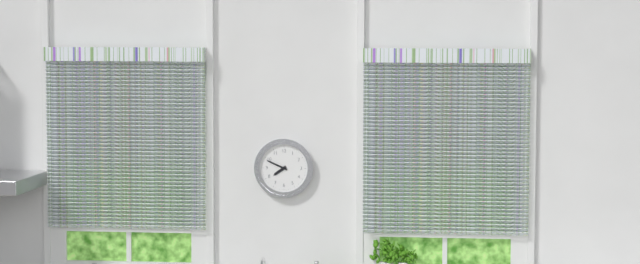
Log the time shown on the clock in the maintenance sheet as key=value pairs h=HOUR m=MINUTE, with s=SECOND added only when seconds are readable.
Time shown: h=7 m=49
